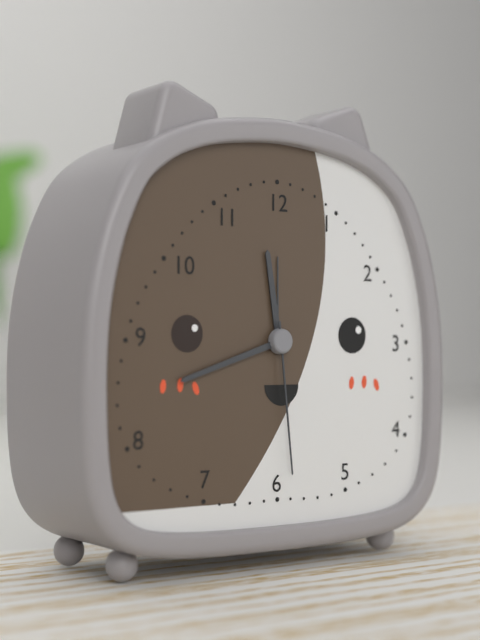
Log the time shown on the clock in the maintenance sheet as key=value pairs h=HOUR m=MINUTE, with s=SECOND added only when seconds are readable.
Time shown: h=11 m=42 s=29
